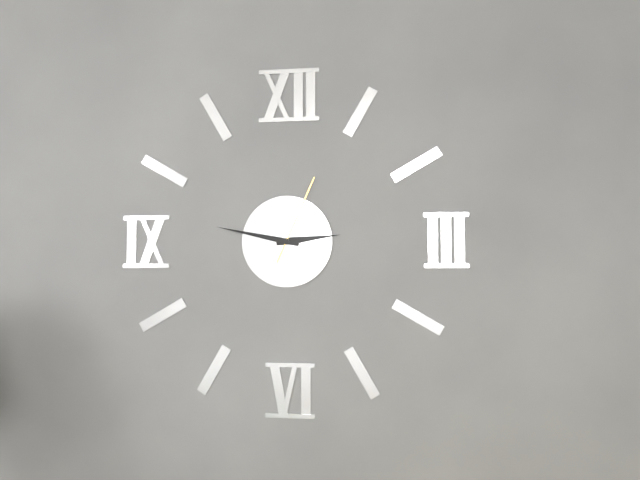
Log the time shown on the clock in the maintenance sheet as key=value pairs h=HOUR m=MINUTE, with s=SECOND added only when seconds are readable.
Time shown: h=2 m=47 s=4
